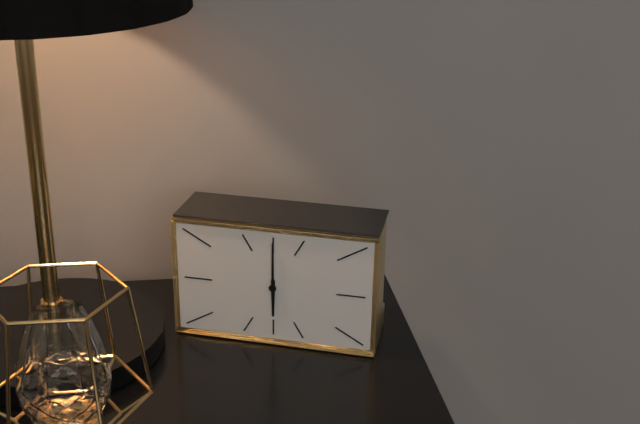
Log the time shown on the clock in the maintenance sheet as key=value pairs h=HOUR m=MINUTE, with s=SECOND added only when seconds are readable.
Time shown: h=6 m=0
